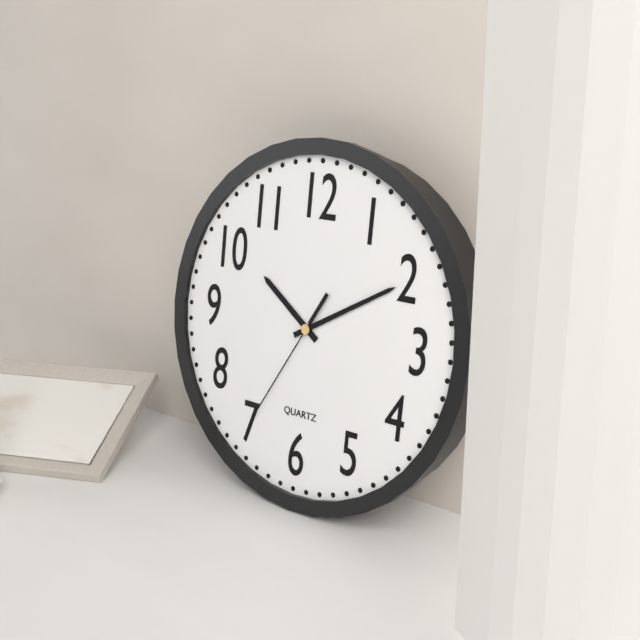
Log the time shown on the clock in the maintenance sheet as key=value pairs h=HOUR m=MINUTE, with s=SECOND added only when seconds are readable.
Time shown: h=10 m=10 s=35
